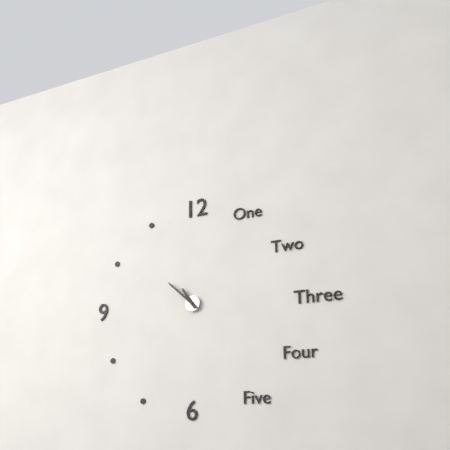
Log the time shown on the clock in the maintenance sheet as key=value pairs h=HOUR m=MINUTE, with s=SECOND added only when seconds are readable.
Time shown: h=10 m=52
